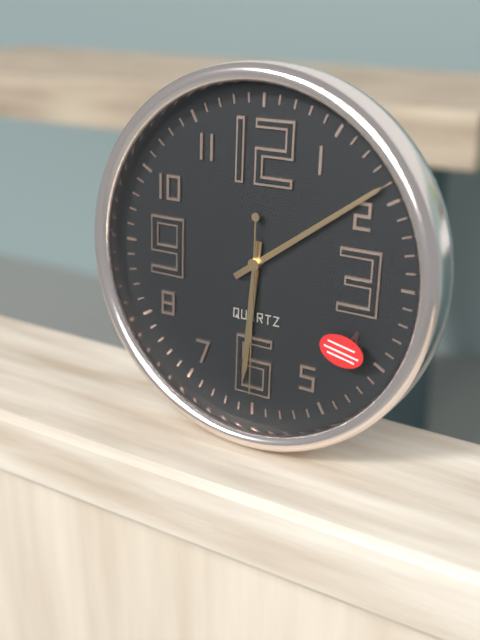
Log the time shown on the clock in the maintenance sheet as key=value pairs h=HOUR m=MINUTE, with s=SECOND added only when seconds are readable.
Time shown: h=6 m=9 s=30
